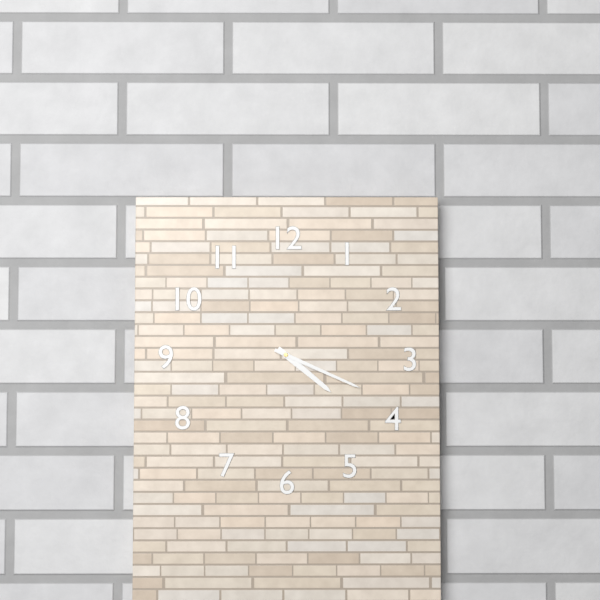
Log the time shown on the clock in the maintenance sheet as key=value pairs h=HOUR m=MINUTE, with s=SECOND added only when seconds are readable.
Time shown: h=4 m=19
